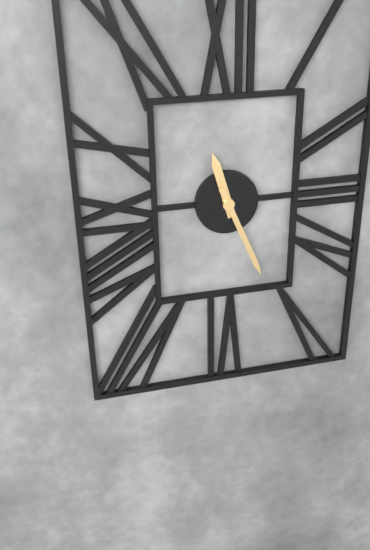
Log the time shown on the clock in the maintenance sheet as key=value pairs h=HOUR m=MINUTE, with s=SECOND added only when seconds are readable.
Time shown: h=11 m=26
